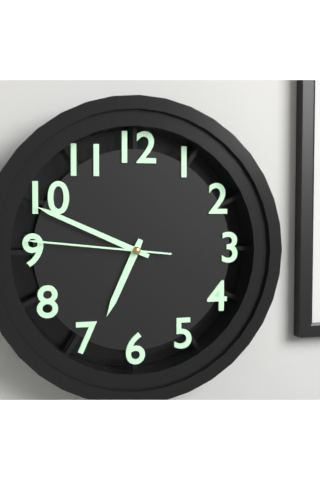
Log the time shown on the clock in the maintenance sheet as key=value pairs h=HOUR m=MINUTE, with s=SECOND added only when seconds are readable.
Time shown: h=6 m=49 s=46
